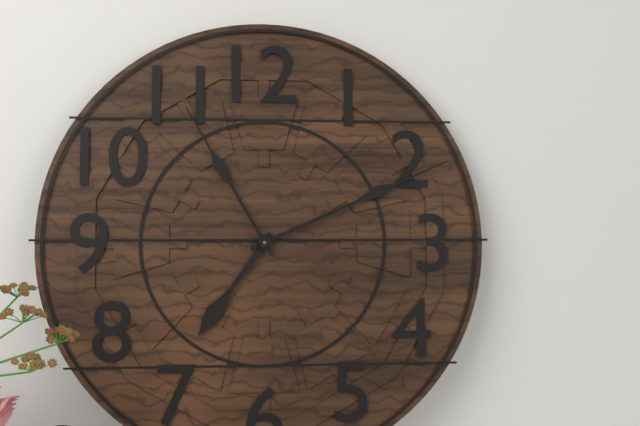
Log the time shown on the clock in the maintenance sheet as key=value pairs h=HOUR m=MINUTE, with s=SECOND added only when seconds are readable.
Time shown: h=7 m=11 s=55
